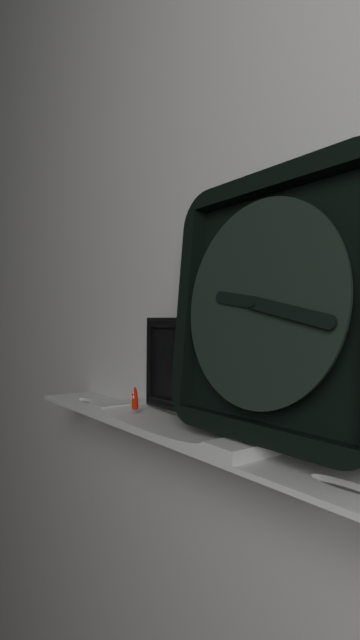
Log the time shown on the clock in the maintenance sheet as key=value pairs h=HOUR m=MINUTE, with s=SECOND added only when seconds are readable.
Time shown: h=9 m=17
